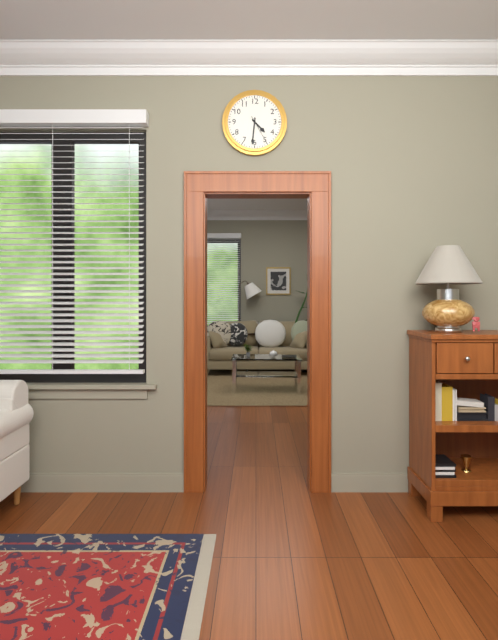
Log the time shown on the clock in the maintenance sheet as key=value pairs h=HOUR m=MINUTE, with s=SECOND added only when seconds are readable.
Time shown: h=4 m=31
